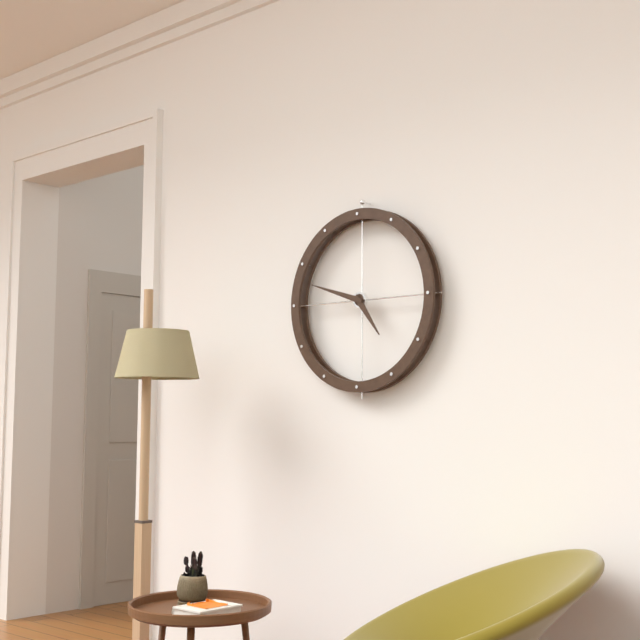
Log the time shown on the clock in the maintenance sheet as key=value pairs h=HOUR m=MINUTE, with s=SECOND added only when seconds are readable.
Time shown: h=4 m=48
